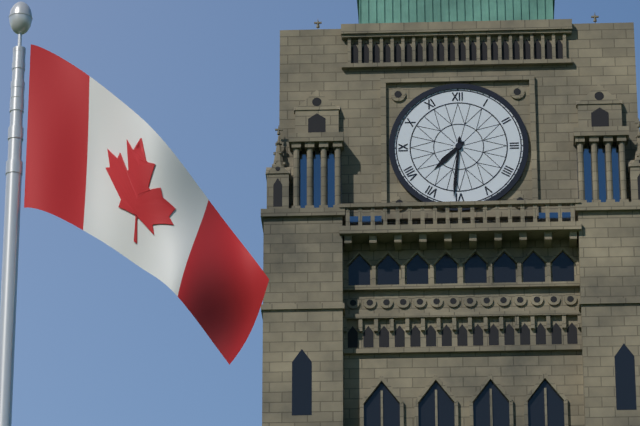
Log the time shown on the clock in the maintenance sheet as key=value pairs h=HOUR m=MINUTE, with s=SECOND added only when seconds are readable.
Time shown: h=7 m=31
